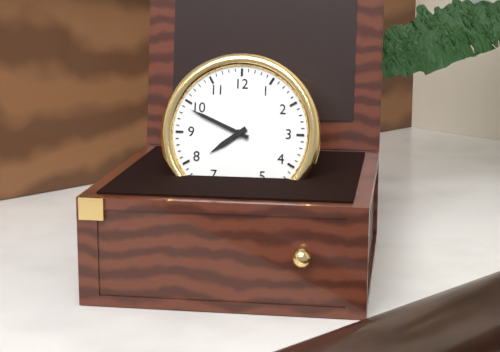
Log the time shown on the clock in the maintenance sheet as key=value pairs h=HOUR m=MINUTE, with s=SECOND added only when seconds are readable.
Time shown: h=7 m=49
